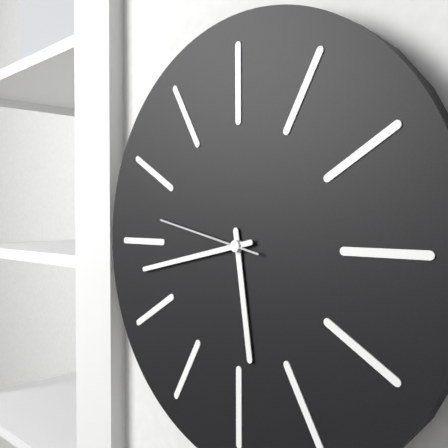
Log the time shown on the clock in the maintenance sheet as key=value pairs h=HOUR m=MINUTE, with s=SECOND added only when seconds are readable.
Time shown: h=5 m=43 s=47
